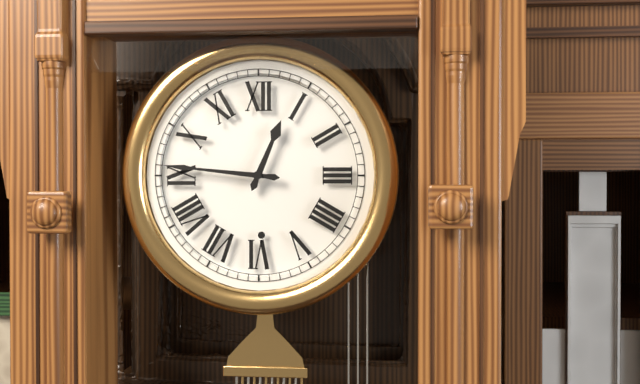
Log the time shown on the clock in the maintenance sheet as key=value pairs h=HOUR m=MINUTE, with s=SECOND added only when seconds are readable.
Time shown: h=12 m=46
